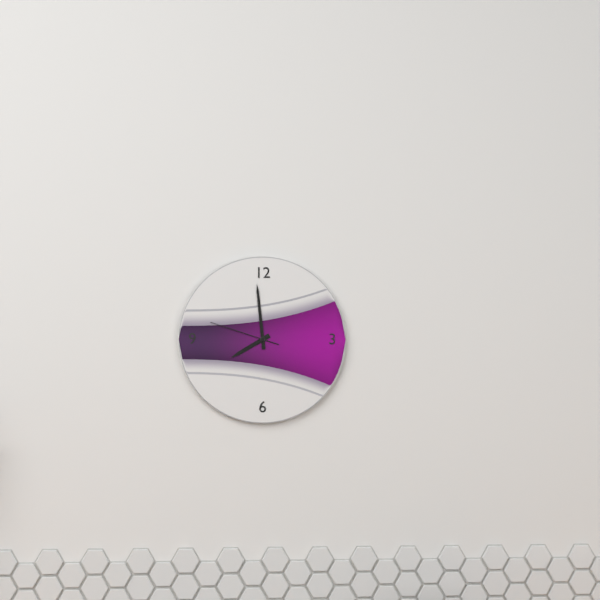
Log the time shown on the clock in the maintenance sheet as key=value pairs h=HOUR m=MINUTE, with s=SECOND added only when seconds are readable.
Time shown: h=7 m=59 s=48
